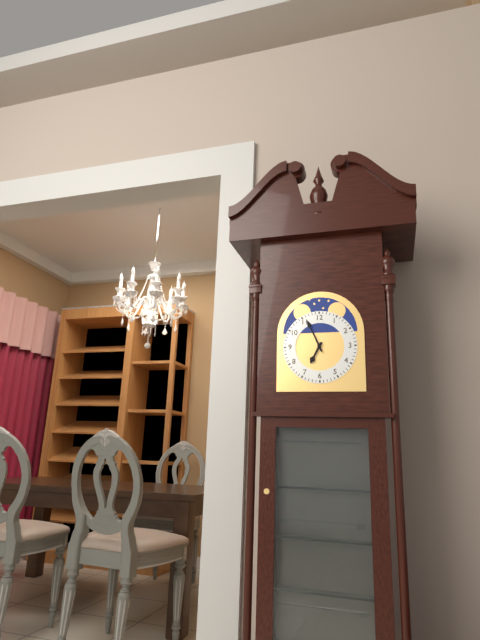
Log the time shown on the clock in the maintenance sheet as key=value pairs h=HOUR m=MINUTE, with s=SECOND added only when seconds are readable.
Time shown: h=6 m=56
